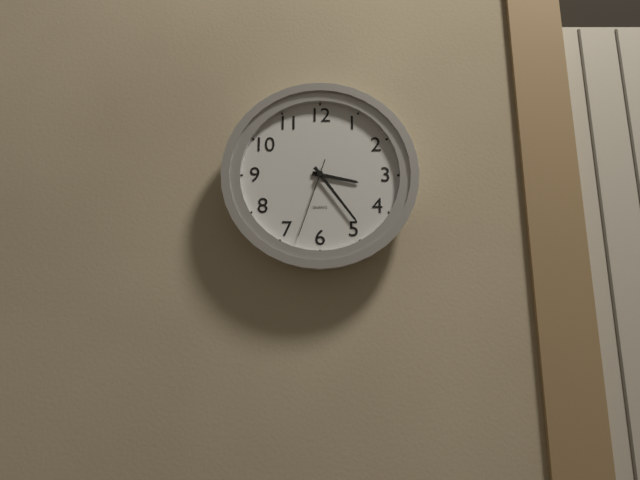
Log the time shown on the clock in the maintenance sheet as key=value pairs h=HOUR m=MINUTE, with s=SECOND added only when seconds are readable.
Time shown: h=3 m=24 s=33
